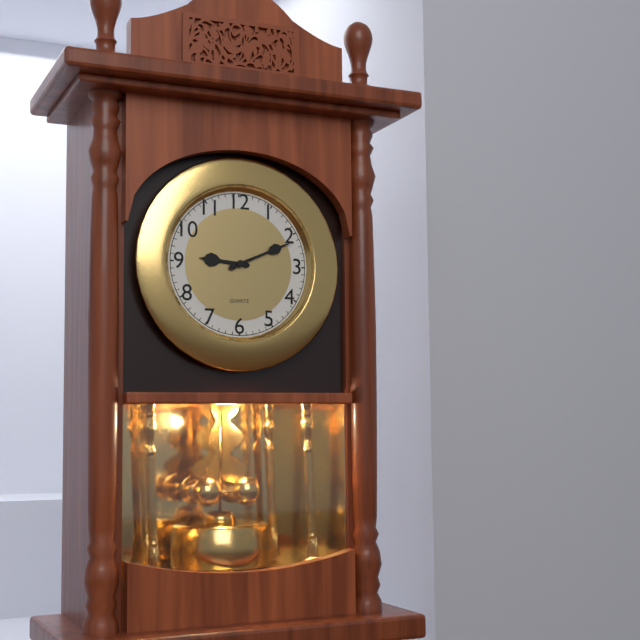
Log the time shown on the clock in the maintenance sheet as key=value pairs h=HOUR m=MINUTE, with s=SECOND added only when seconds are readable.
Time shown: h=9 m=11
